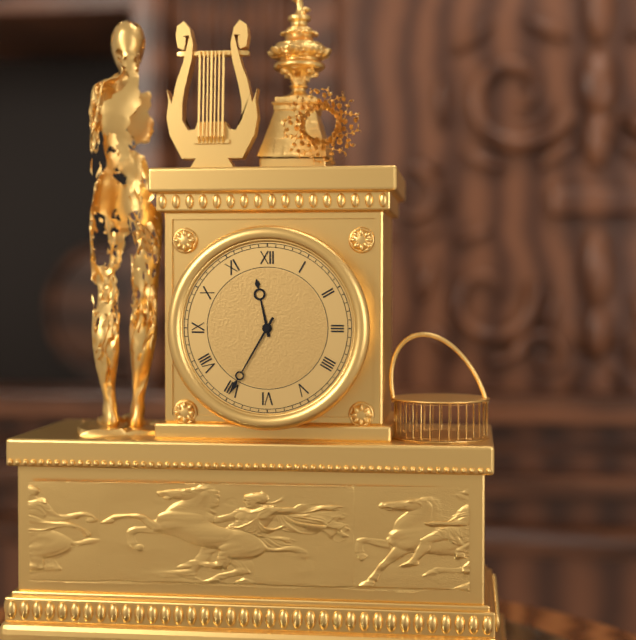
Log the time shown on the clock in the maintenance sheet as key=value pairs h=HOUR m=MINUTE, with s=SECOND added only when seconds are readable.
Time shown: h=11 m=35
